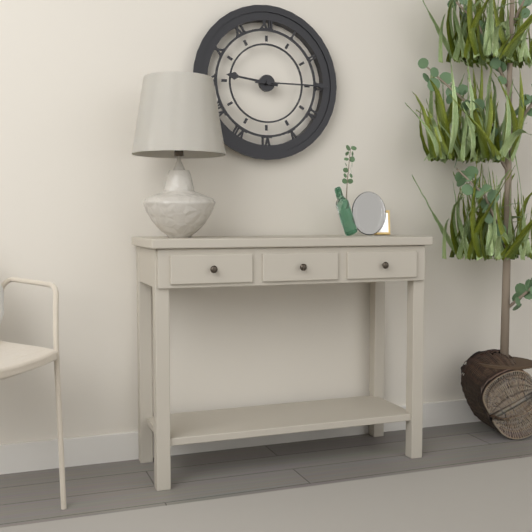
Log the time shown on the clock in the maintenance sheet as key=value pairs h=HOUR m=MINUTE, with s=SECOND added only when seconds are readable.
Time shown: h=9 m=15
